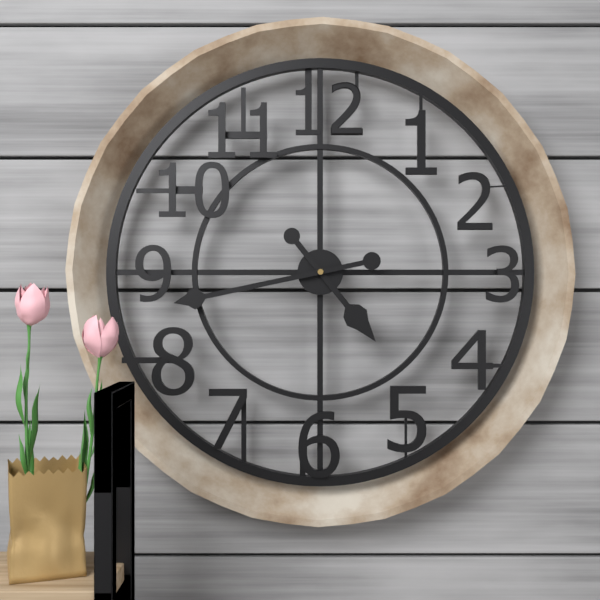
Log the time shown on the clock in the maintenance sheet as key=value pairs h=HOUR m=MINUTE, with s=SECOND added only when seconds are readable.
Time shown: h=4 m=43
